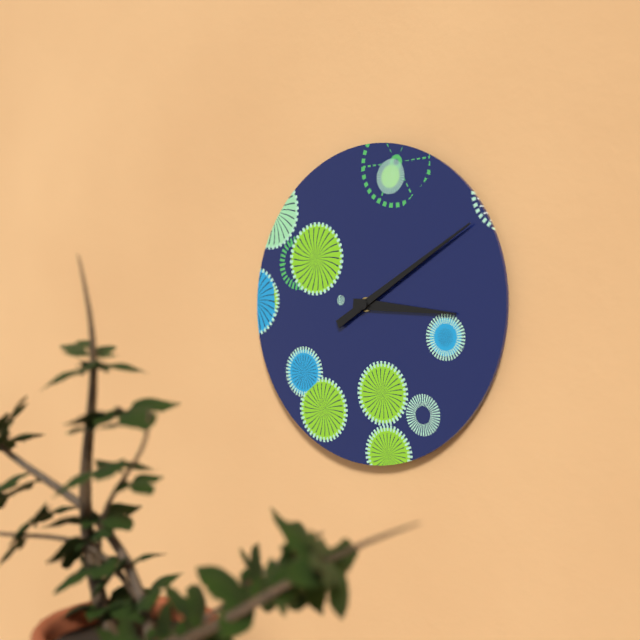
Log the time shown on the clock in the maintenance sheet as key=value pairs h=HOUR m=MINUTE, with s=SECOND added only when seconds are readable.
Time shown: h=3 m=10
